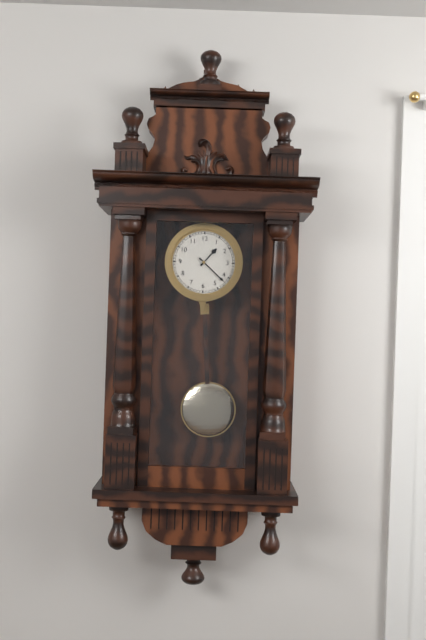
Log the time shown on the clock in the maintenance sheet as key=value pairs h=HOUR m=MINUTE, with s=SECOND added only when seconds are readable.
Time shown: h=1 m=22
